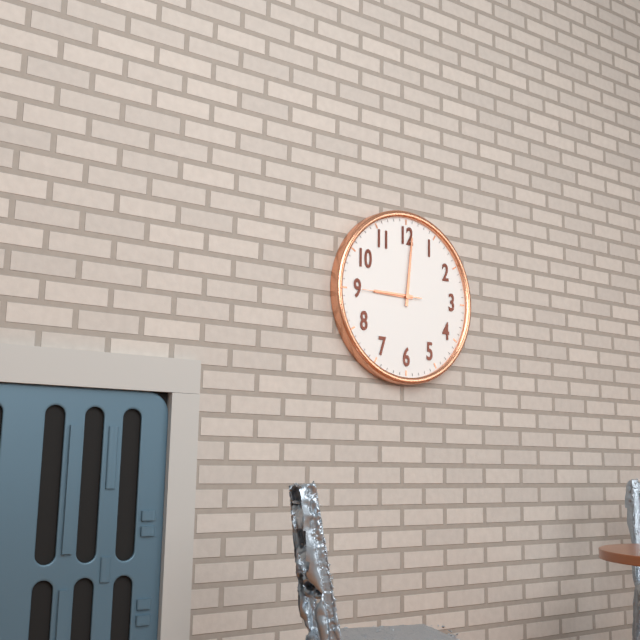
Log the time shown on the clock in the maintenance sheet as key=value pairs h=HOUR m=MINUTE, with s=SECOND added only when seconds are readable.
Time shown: h=9 m=1 s=45
